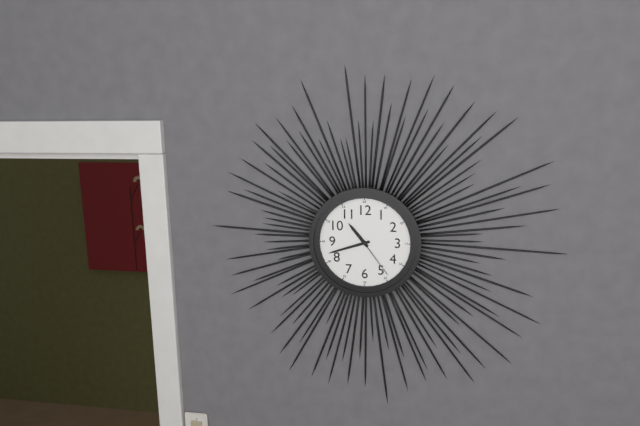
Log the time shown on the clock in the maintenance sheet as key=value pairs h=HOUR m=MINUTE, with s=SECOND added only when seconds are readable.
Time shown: h=10 m=42
